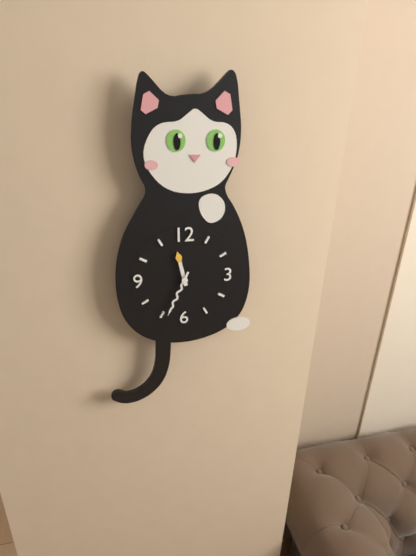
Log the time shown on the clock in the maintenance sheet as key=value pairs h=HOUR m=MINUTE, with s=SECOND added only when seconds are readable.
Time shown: h=11 m=34
